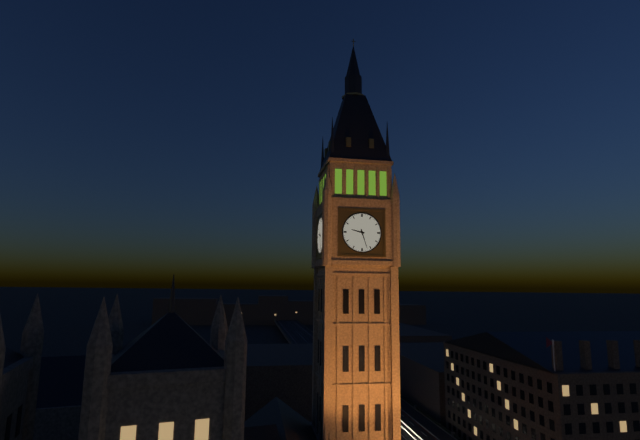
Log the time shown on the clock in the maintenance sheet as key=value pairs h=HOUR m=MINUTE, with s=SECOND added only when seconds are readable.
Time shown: h=9 m=27
